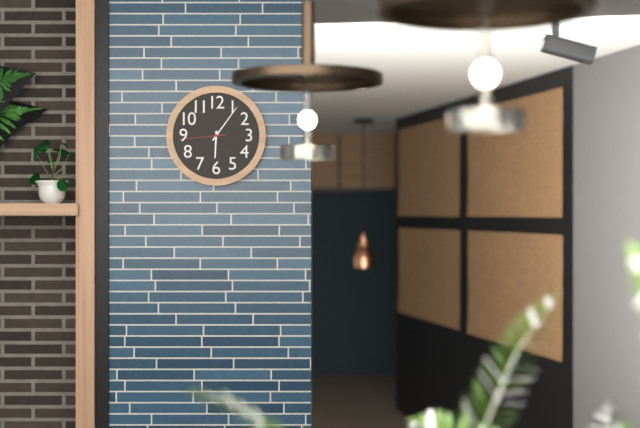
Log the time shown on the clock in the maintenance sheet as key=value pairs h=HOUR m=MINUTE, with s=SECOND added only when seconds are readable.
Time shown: h=6 m=6
